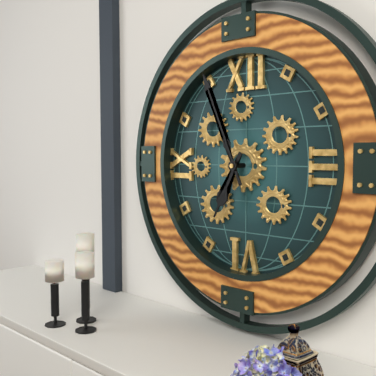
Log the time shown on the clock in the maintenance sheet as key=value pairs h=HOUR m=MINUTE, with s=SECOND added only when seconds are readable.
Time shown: h=6 m=56
